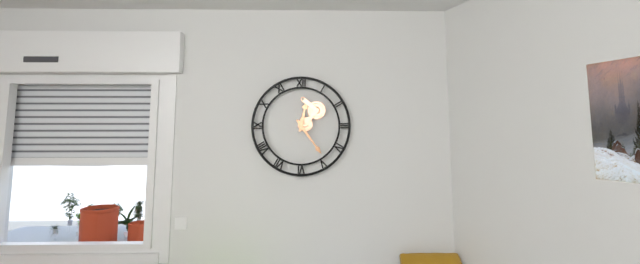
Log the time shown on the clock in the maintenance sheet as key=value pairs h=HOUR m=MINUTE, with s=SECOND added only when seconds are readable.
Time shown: h=12 m=24
